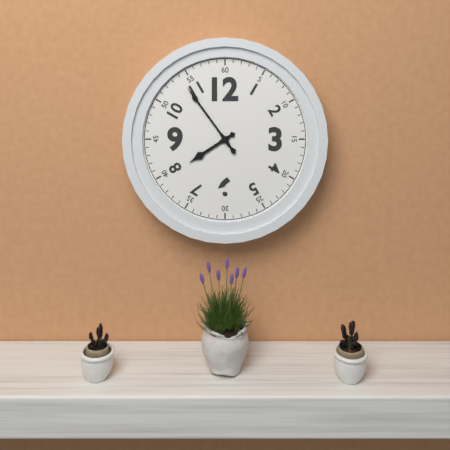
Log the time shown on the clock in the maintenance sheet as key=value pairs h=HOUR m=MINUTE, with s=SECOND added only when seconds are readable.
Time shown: h=7 m=54
